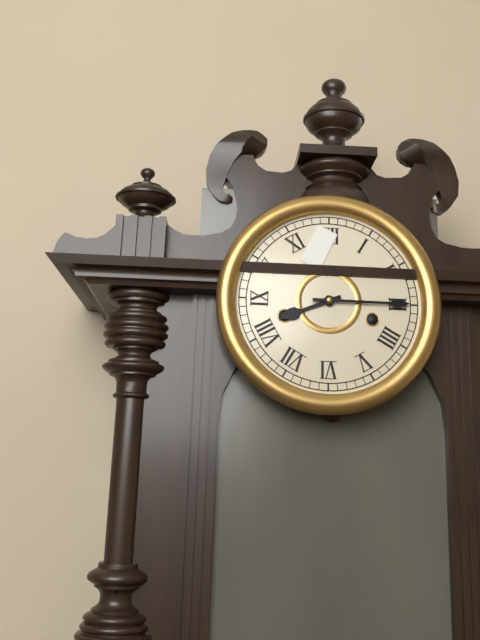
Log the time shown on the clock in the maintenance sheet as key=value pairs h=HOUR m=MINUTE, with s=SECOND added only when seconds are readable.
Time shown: h=8 m=15
